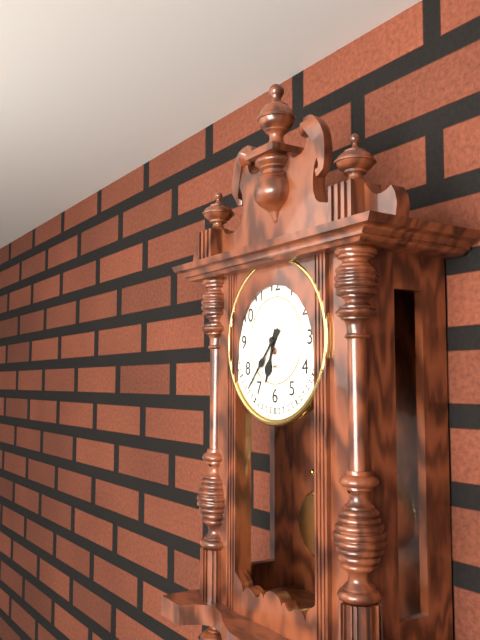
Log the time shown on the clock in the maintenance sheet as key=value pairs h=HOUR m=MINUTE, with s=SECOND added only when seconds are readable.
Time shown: h=6 m=37
